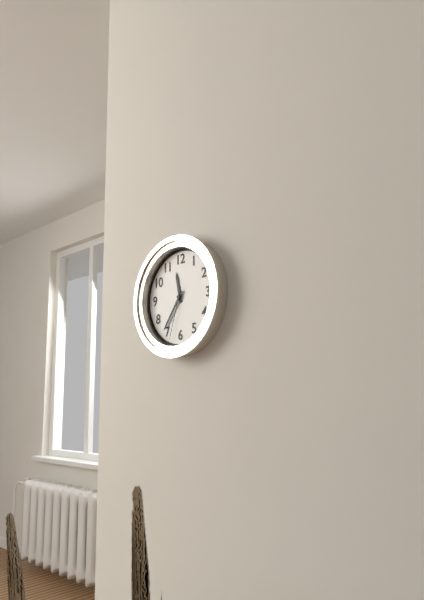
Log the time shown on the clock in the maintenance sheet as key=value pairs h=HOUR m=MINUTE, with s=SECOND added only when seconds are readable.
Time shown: h=11 m=36 s=33
